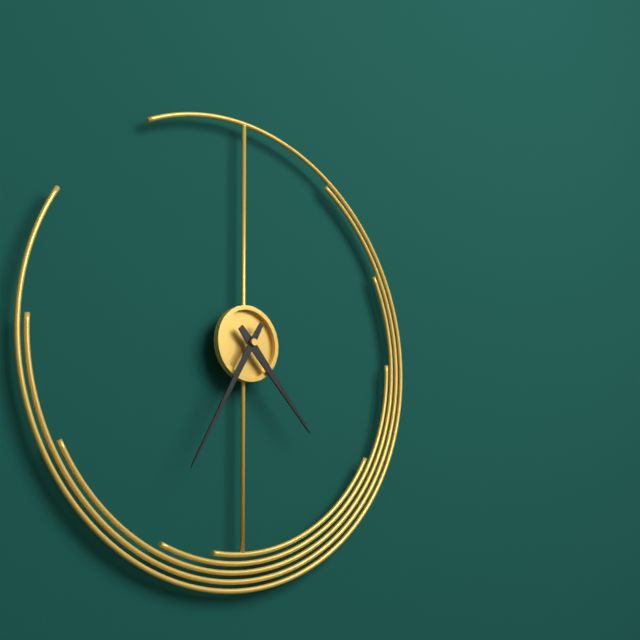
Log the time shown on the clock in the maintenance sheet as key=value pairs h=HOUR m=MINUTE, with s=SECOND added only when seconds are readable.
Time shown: h=4 m=35
